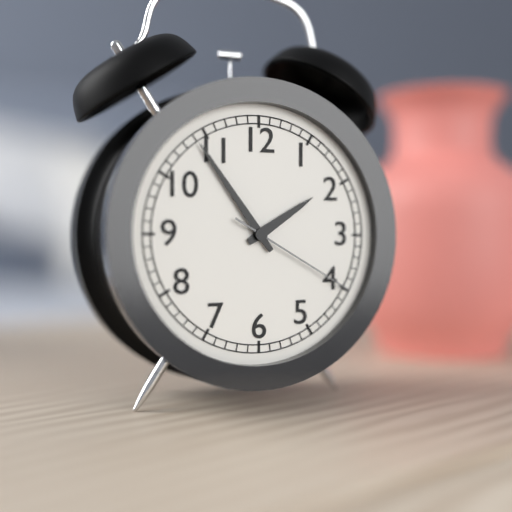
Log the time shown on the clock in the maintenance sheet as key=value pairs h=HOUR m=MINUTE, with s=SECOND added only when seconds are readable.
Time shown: h=1 m=54 s=20
